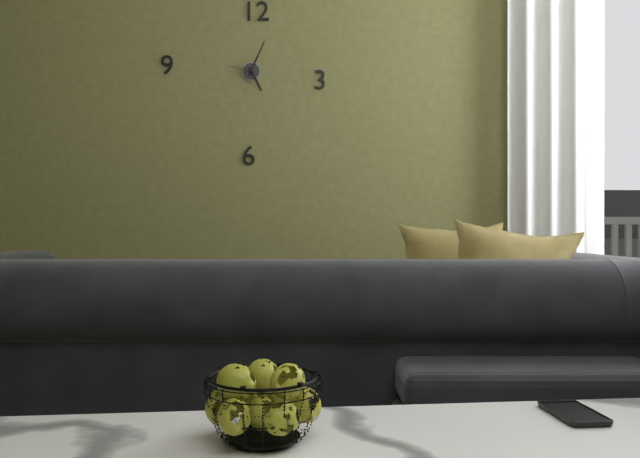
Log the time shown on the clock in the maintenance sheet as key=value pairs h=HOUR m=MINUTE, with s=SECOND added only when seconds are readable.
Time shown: h=5 m=4
